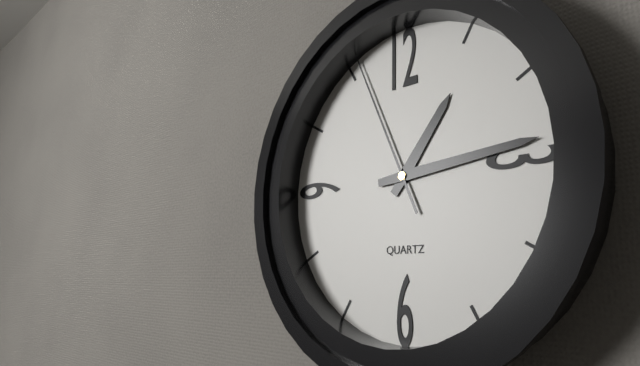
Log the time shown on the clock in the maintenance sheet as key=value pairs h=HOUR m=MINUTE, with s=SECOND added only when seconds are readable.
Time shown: h=1 m=14 s=56
